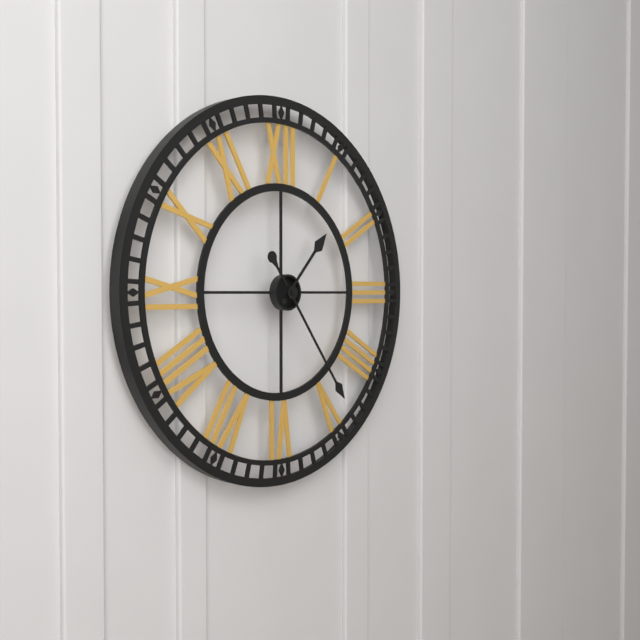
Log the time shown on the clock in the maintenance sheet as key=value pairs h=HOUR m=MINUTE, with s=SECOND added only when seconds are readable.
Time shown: h=1 m=24
